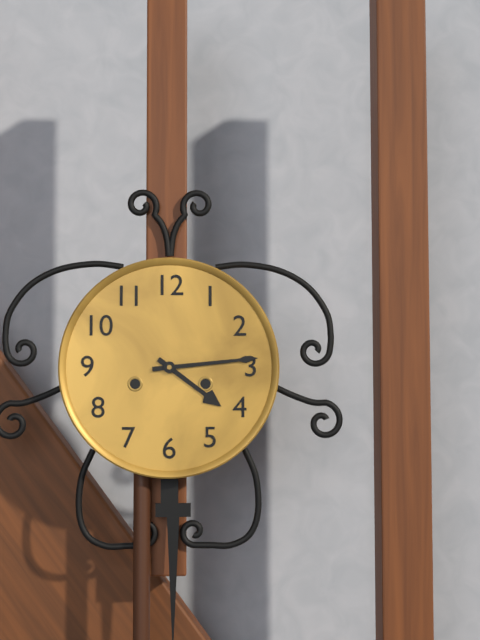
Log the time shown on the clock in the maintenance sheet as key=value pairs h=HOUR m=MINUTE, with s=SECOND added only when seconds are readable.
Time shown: h=4 m=14
